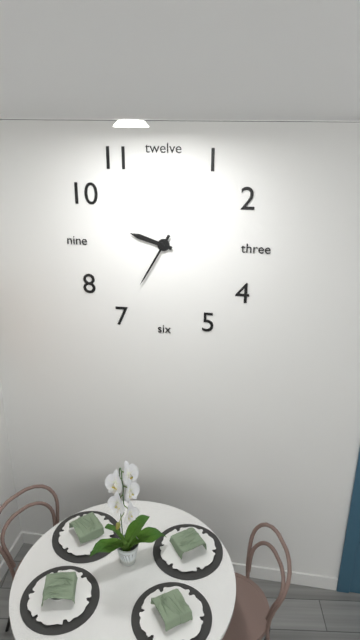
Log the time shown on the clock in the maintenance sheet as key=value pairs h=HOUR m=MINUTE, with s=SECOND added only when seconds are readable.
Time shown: h=9 m=35
